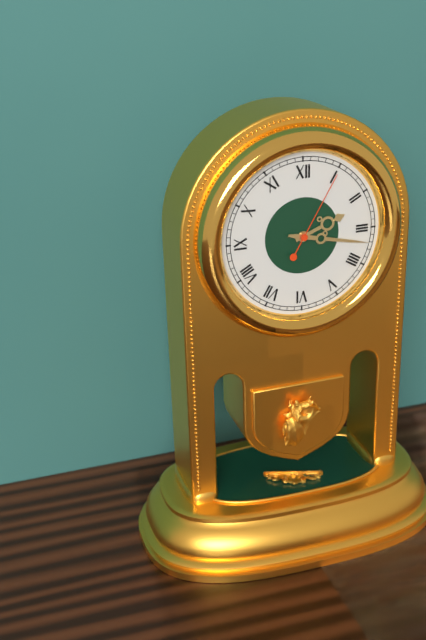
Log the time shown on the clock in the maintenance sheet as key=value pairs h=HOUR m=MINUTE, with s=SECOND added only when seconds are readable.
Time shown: h=2 m=17 s=5
